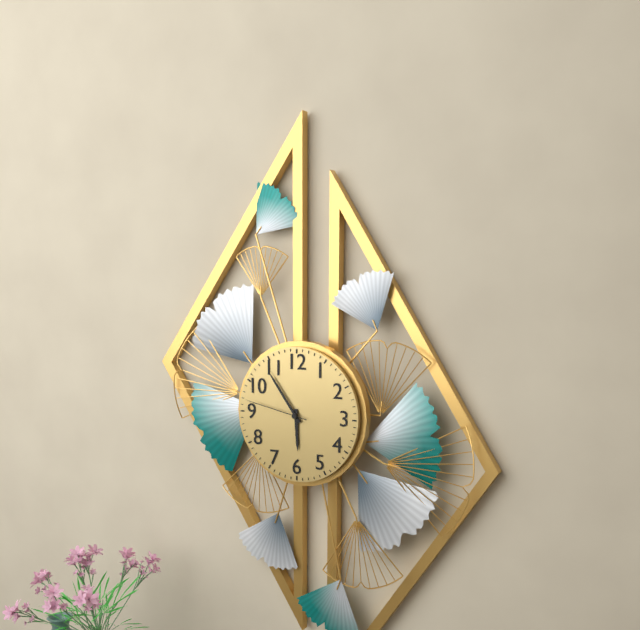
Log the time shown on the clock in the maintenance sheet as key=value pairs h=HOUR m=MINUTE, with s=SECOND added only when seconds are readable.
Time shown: h=5 m=54 s=47
